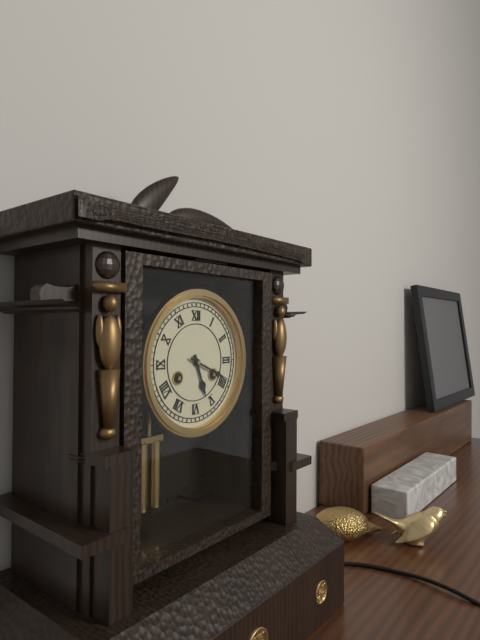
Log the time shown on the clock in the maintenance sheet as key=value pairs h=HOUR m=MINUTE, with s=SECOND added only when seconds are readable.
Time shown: h=5 m=19
